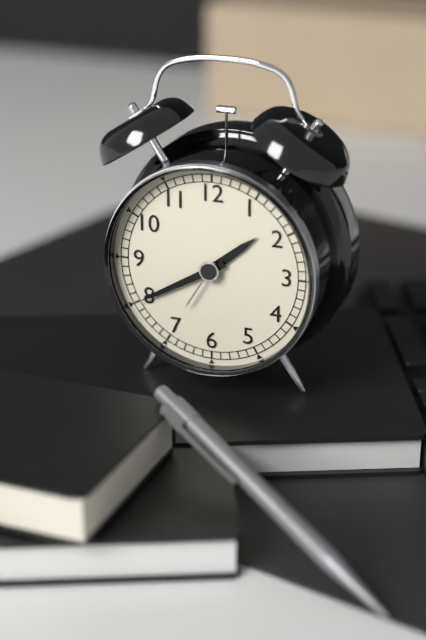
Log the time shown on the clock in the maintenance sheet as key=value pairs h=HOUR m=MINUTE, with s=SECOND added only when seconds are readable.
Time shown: h=1 m=40
